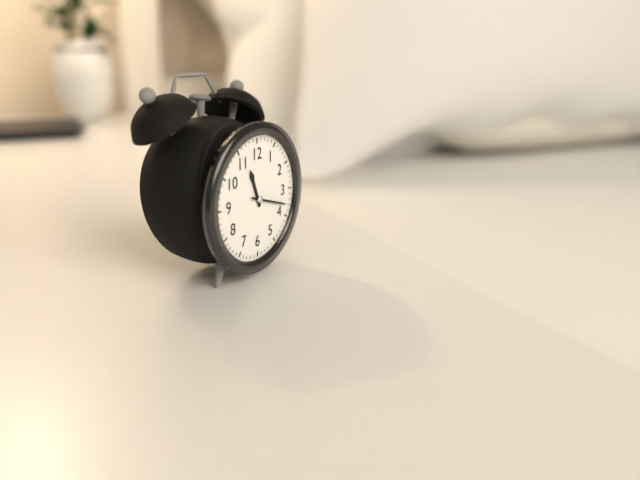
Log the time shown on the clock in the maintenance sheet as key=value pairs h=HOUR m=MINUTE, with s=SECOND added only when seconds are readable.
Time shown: h=11 m=18
